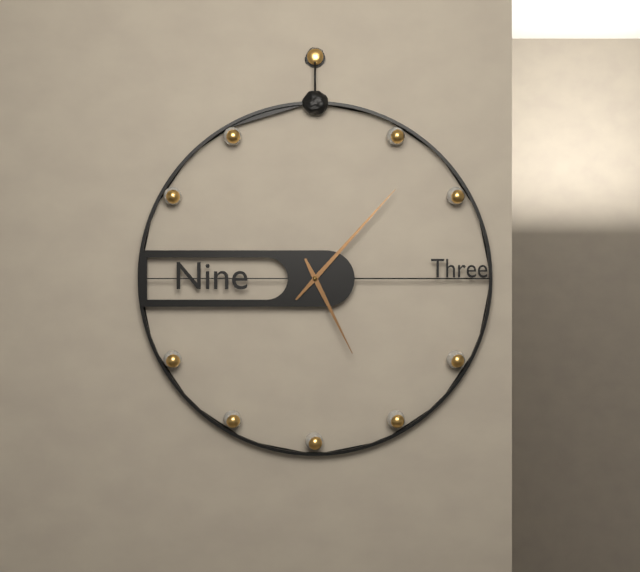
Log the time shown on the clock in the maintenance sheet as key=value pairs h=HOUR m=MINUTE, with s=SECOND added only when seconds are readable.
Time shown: h=5 m=7
